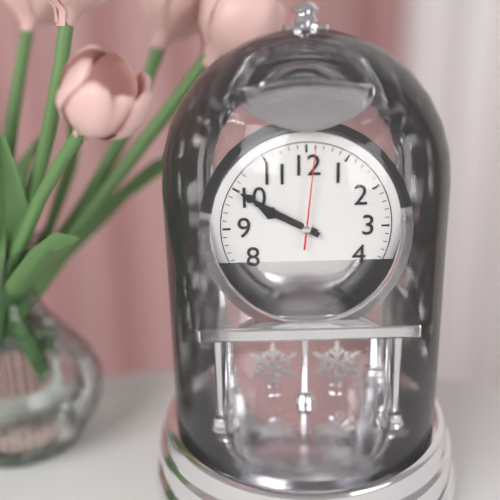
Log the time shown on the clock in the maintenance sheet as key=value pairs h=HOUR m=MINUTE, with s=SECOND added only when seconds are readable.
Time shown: h=9 m=50 s=1
